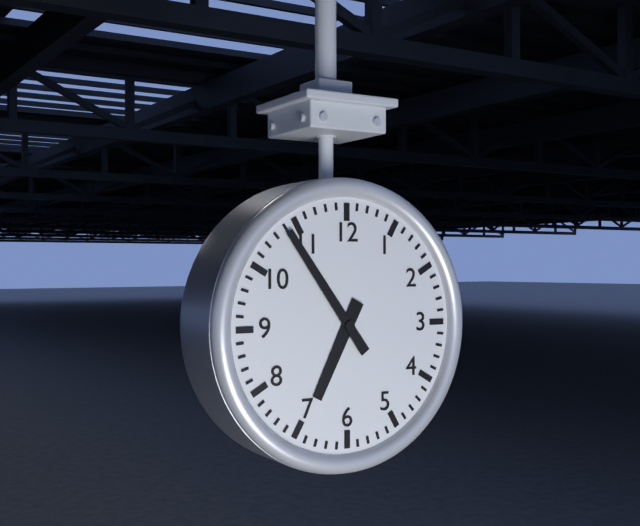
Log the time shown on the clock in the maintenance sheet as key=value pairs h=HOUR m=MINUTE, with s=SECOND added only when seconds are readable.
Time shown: h=6 m=54
